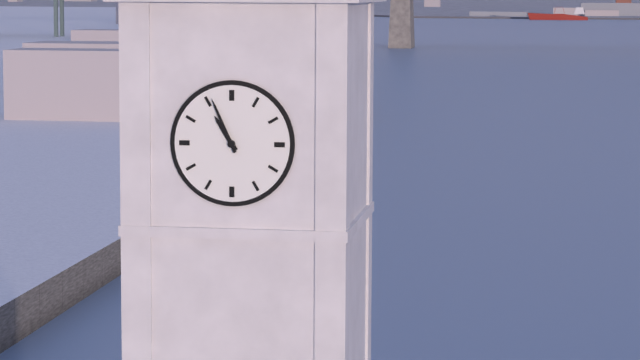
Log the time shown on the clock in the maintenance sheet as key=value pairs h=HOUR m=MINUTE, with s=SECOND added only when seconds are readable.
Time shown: h=10 m=56
